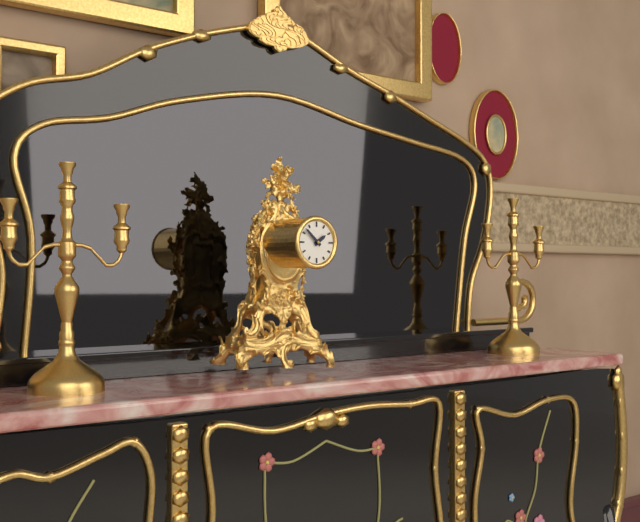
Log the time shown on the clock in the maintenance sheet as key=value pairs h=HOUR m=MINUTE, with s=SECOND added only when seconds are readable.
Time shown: h=1 m=52
